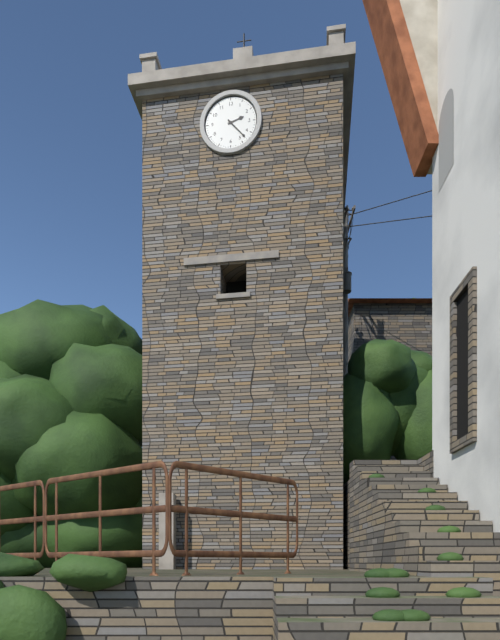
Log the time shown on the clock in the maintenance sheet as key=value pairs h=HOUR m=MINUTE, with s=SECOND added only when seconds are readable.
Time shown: h=2 m=23
